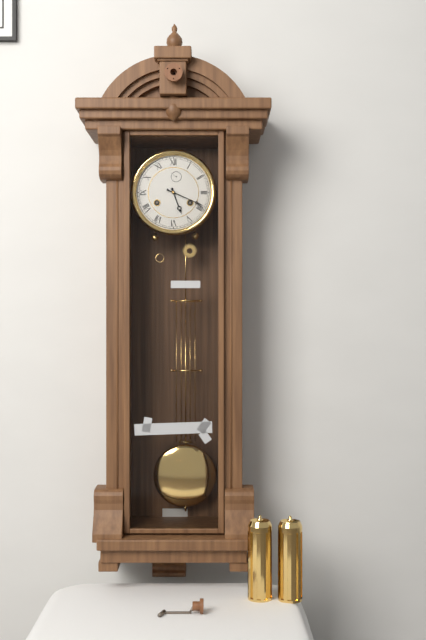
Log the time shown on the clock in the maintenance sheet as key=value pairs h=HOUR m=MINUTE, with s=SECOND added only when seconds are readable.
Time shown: h=5 m=19
